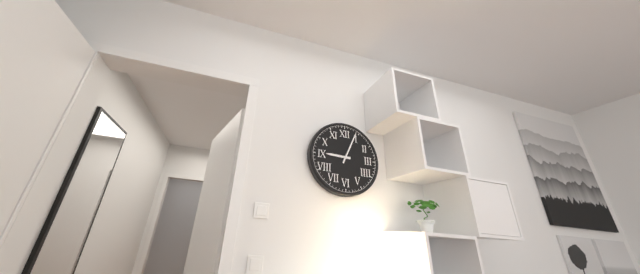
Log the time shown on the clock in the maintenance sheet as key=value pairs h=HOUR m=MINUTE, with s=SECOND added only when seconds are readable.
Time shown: h=9 m=4
